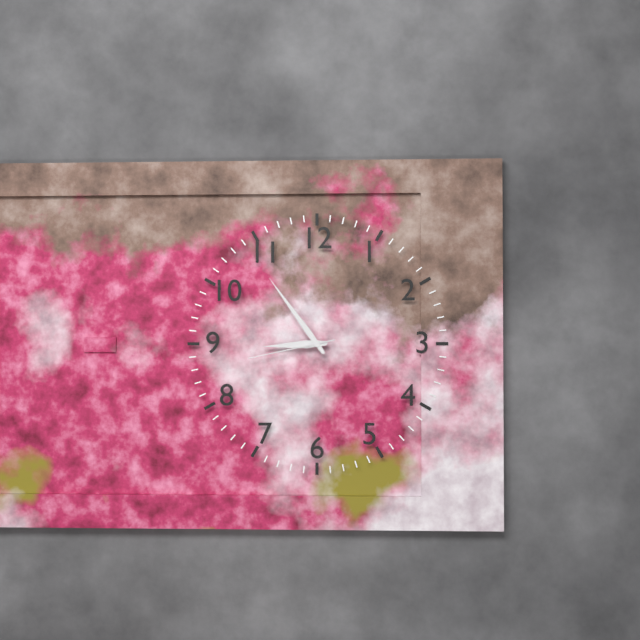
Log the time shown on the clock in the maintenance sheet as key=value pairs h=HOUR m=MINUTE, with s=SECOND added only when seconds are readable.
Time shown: h=8 m=54 s=43
